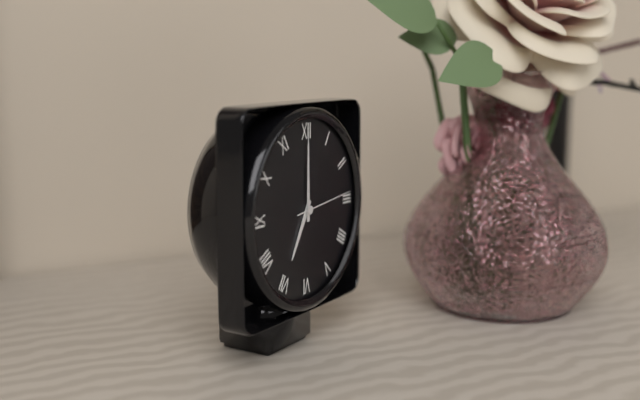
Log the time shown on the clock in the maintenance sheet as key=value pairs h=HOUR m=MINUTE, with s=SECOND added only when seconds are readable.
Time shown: h=7 m=0 s=14
